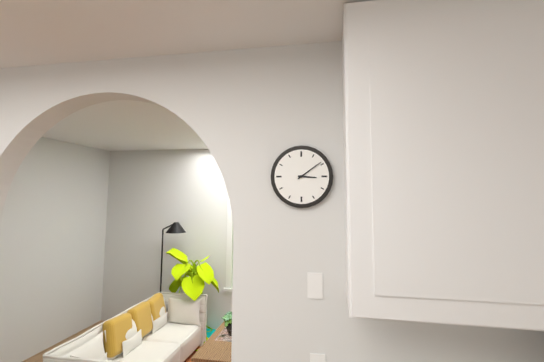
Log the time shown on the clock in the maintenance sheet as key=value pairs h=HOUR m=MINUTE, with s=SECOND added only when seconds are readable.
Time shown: h=3 m=9
